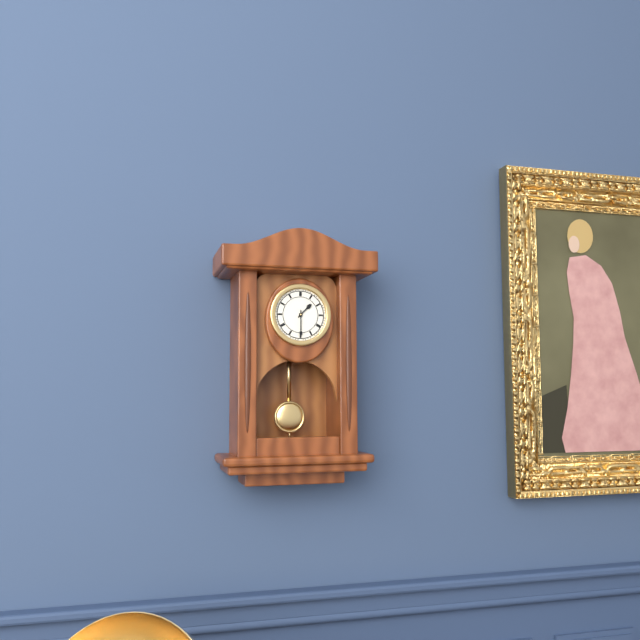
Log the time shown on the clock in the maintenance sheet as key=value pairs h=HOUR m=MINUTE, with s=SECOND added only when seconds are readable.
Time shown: h=1 m=30
